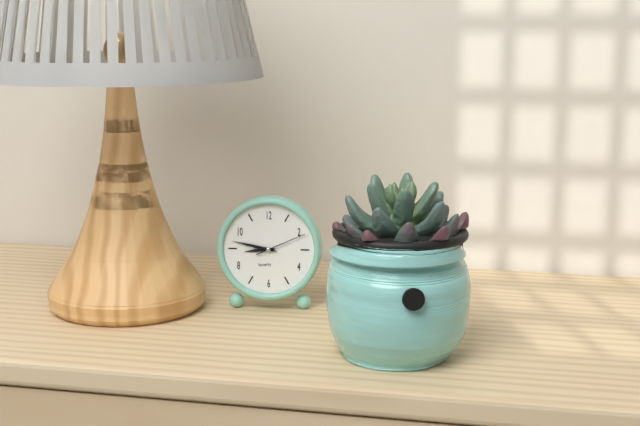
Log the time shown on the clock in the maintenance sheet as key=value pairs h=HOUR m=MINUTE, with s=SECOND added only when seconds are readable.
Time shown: h=8 m=47
